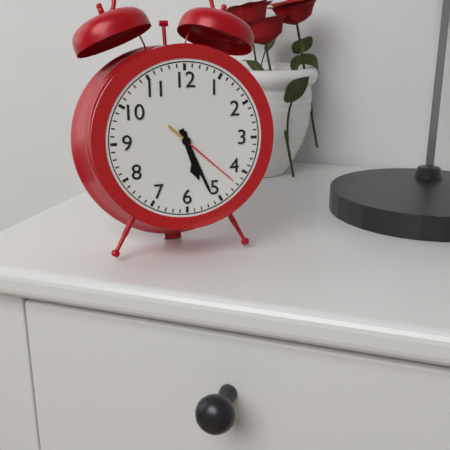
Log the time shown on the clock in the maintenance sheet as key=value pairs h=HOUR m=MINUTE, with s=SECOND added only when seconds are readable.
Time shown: h=5 m=26 s=22
